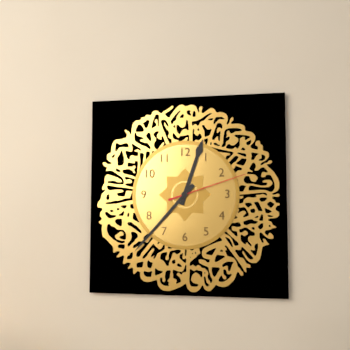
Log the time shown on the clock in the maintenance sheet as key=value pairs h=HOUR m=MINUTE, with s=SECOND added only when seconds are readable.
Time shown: h=12 m=37 s=12
